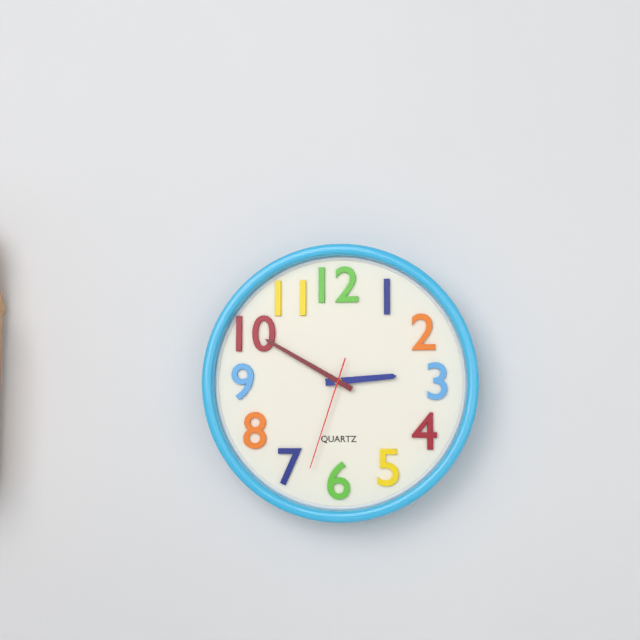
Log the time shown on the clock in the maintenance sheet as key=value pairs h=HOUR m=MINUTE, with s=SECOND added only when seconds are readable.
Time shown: h=2 m=50 s=33
